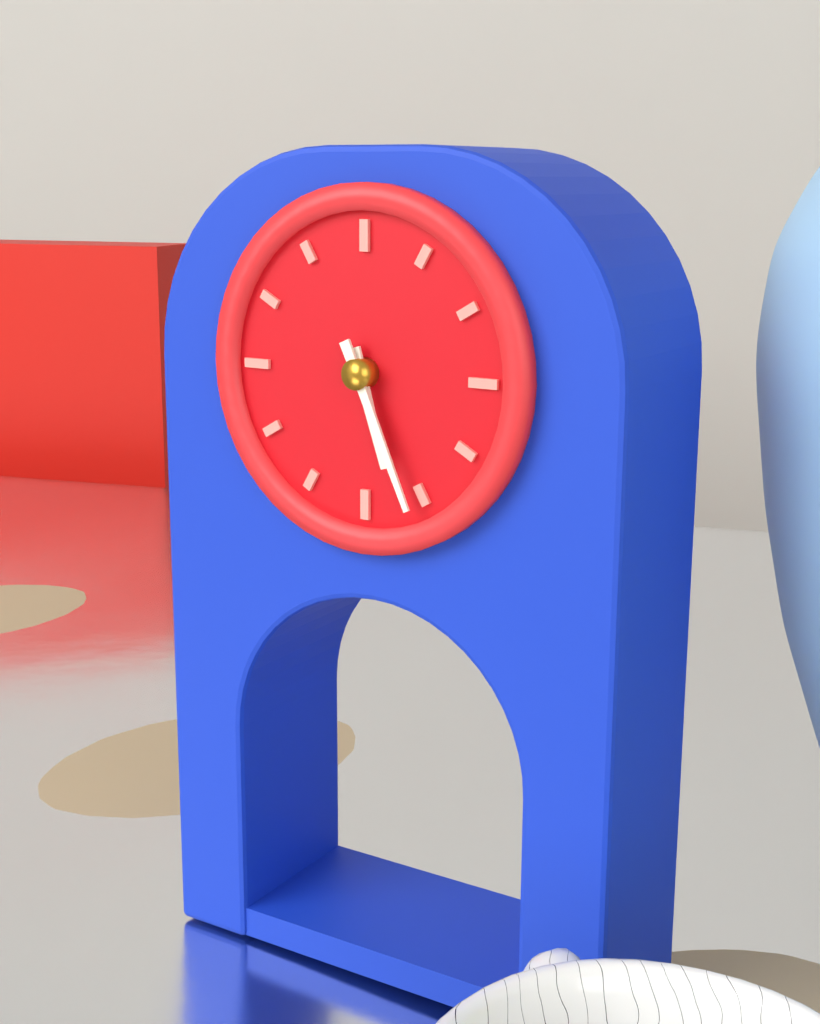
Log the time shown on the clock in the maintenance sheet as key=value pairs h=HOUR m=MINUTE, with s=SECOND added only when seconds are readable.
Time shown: h=5 m=26
